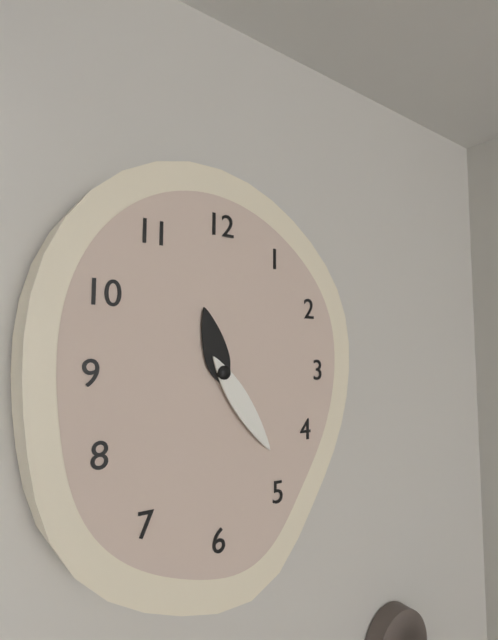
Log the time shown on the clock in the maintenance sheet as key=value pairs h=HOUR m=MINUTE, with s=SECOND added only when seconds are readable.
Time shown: h=11 m=24
